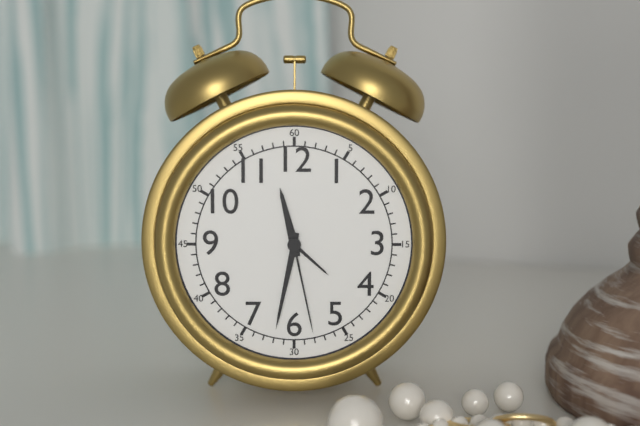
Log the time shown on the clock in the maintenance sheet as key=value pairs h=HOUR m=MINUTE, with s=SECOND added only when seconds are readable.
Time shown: h=11 m=32 s=28
